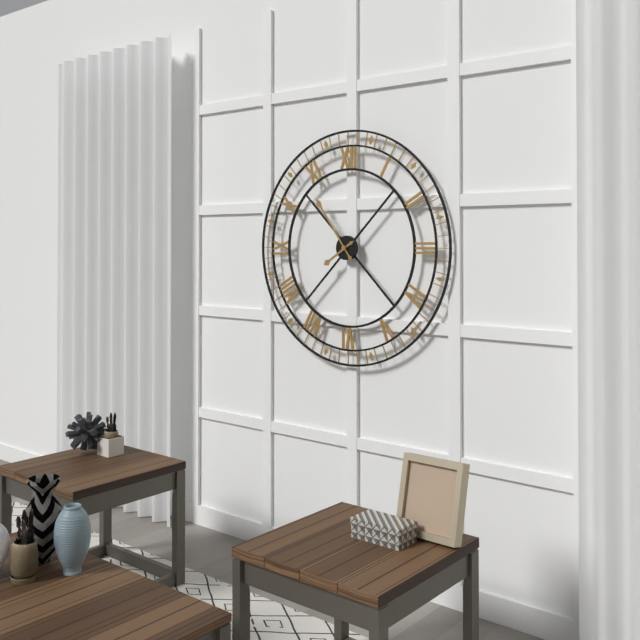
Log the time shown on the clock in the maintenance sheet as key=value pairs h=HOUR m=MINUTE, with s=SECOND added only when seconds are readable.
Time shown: h=7 m=54
